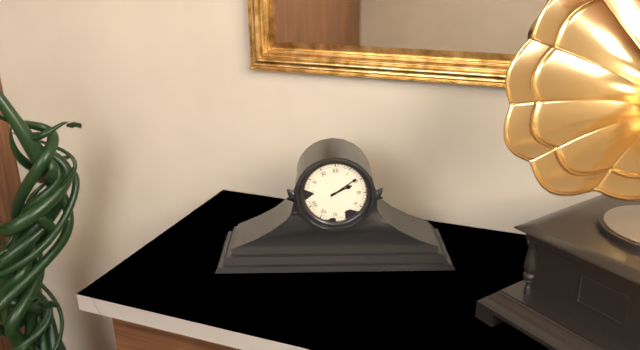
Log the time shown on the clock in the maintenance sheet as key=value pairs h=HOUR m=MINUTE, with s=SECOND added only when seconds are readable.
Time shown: h=2 m=9
